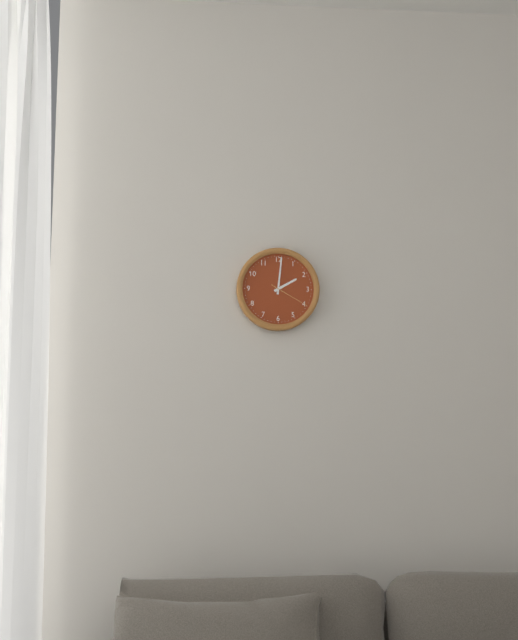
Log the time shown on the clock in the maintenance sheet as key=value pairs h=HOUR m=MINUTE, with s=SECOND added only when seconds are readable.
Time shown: h=2 m=1
